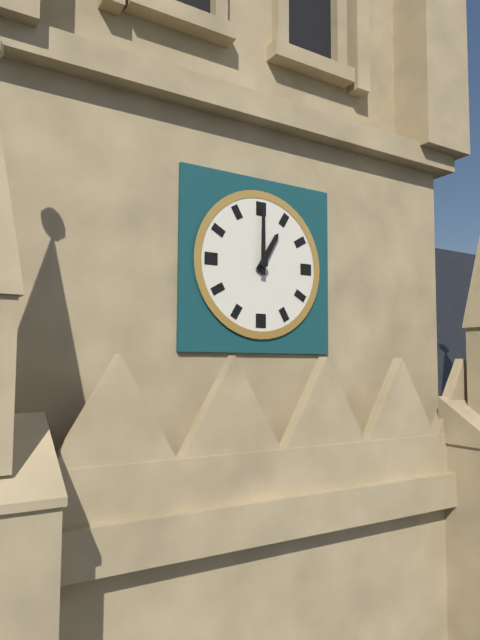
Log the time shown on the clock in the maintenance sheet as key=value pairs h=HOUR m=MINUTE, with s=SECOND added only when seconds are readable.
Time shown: h=1 m=0
